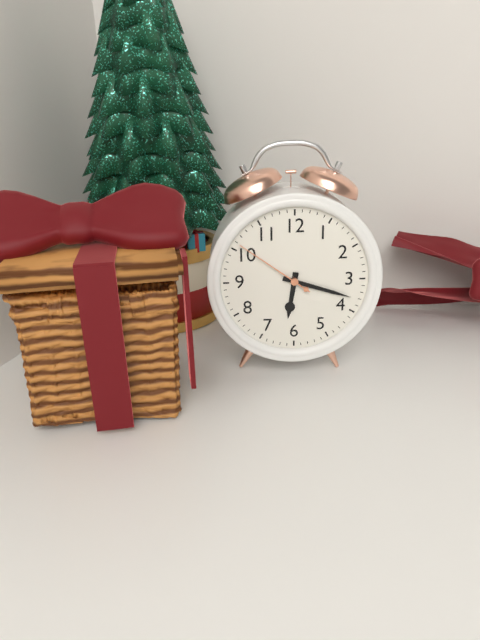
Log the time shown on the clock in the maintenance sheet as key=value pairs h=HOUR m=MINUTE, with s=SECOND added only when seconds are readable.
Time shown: h=6 m=18 s=51
